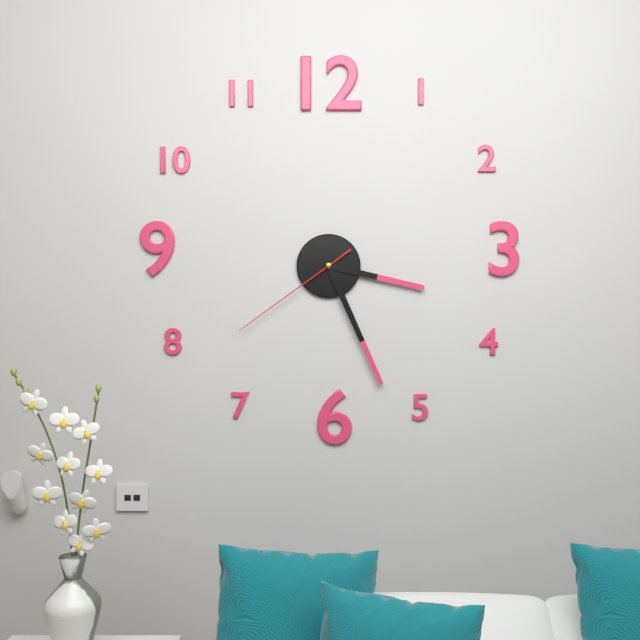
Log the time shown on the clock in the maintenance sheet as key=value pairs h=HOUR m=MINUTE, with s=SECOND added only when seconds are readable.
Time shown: h=3 m=26 s=39
